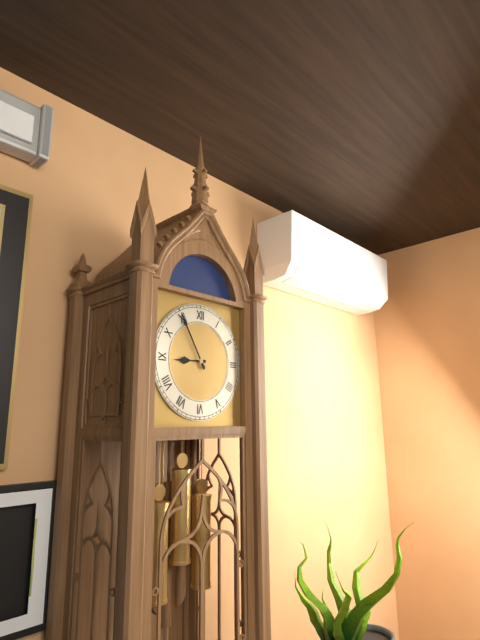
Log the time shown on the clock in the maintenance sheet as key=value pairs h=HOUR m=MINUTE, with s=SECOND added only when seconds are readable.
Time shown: h=8 m=55
